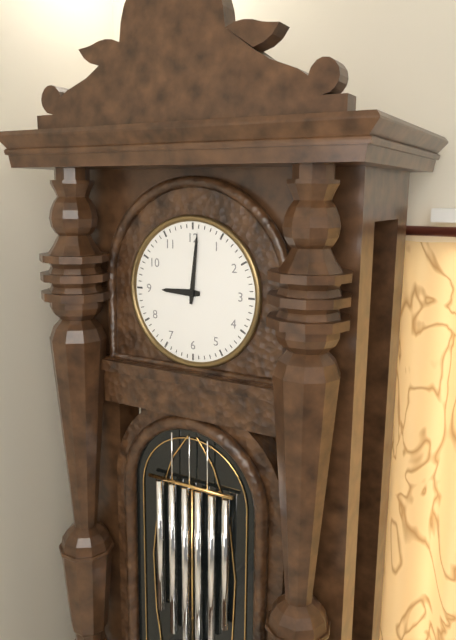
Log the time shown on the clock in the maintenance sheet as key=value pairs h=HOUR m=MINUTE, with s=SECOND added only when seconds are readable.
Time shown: h=9 m=1
